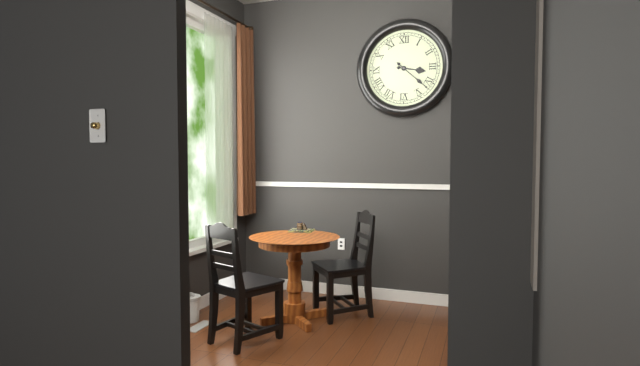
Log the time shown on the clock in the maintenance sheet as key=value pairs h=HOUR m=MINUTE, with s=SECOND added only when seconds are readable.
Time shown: h=3 m=22
